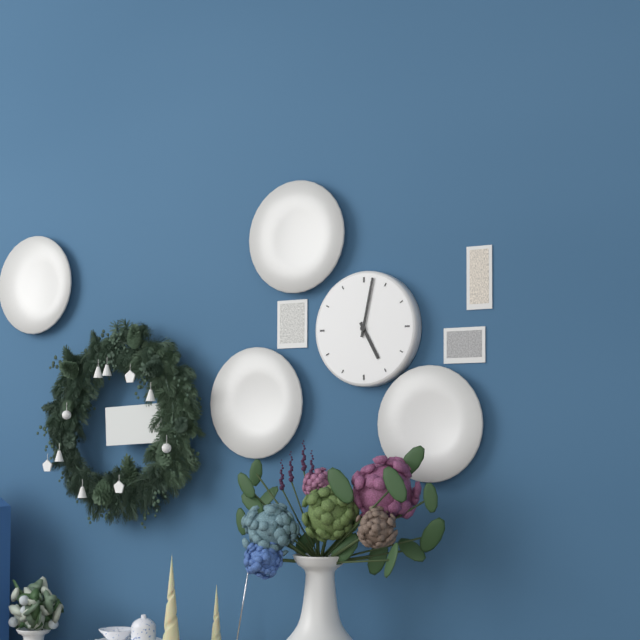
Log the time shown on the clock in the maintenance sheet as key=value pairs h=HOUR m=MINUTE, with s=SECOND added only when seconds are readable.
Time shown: h=5 m=2
